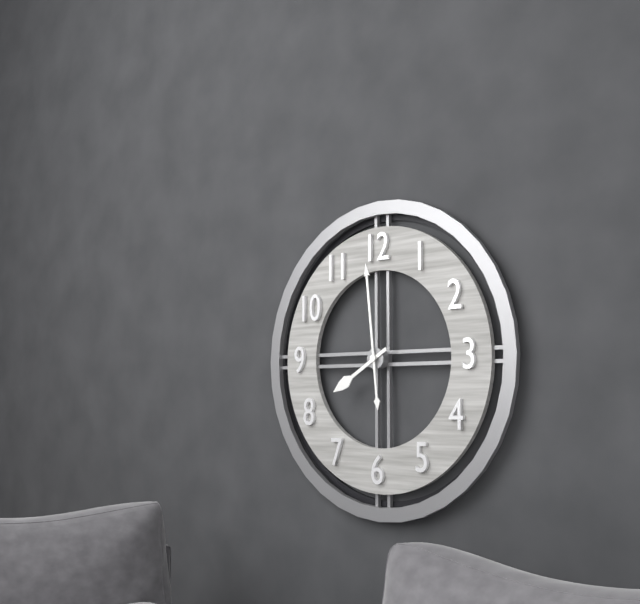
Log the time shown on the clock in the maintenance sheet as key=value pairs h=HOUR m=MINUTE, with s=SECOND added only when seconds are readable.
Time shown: h=7 m=59
